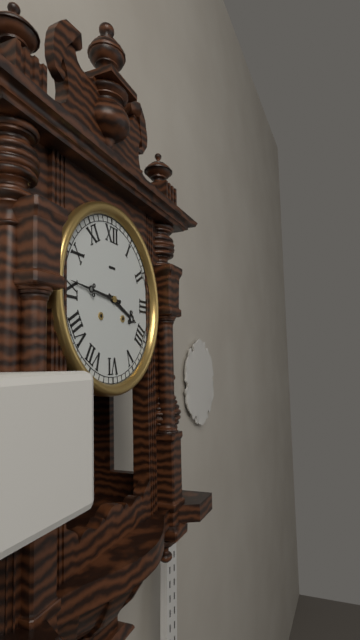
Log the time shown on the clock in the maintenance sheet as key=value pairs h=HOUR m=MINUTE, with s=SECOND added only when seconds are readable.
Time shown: h=3 m=46
